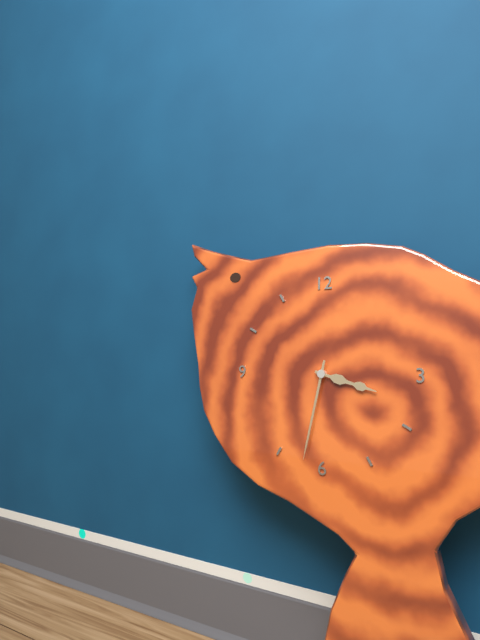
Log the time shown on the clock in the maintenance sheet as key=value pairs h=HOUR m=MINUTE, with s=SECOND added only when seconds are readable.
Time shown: h=3 m=32
